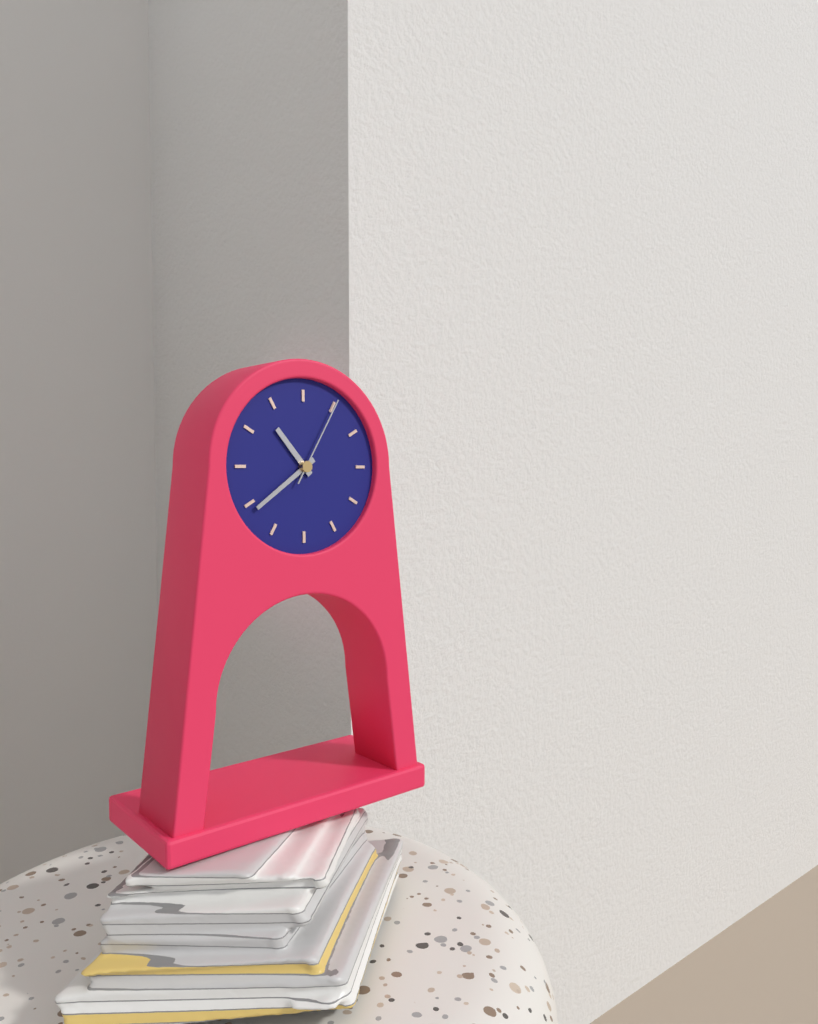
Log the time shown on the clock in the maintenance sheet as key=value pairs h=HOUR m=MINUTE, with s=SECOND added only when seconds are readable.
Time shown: h=10 m=39 s=5
